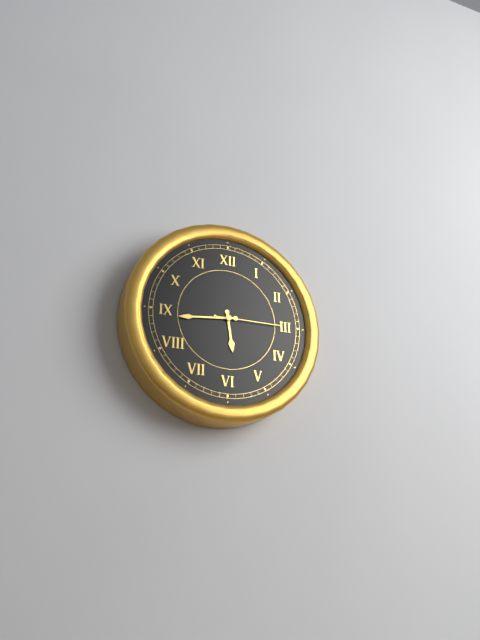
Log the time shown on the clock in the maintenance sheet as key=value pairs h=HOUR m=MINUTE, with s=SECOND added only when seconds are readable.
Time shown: h=5 m=44 s=15
